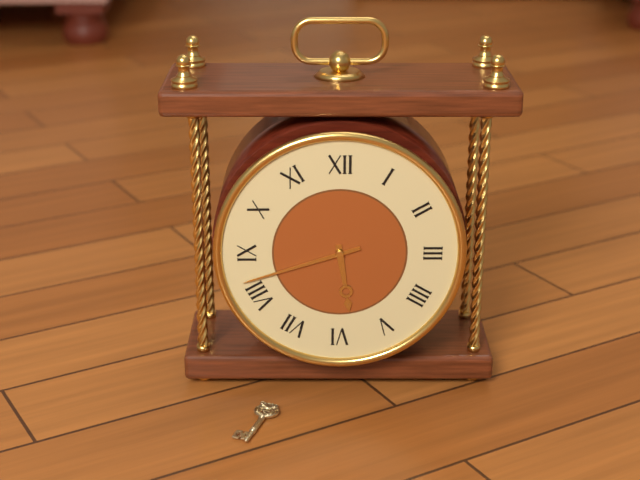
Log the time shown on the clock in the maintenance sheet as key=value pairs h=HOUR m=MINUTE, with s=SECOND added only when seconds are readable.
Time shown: h=5 m=42
